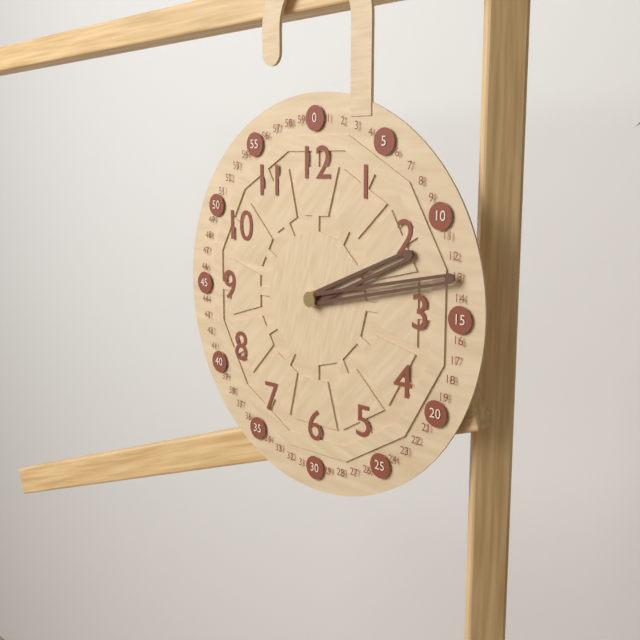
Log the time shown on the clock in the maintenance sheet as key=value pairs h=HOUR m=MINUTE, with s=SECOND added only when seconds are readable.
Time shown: h=2 m=13
